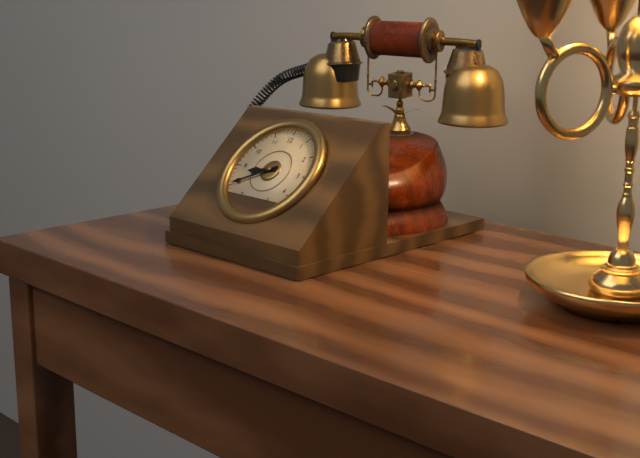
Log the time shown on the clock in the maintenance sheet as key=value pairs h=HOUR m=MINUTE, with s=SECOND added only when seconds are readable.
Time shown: h=8 m=40
